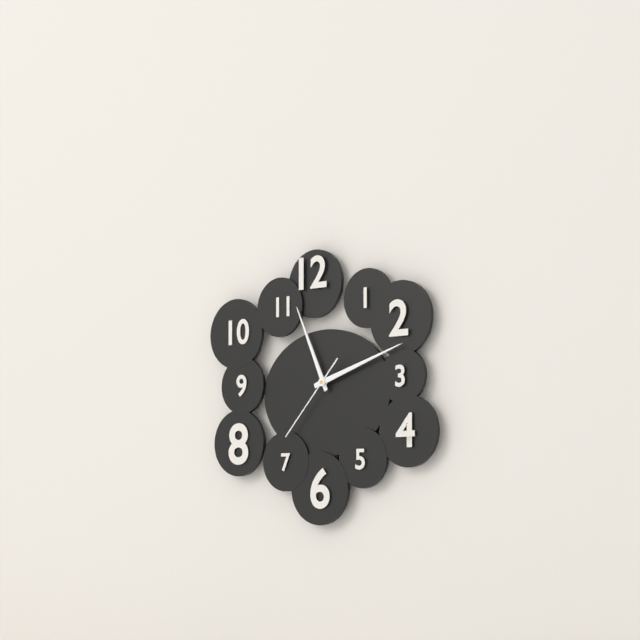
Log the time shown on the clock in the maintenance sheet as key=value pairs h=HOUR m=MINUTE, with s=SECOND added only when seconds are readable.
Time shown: h=11 m=12 s=37
